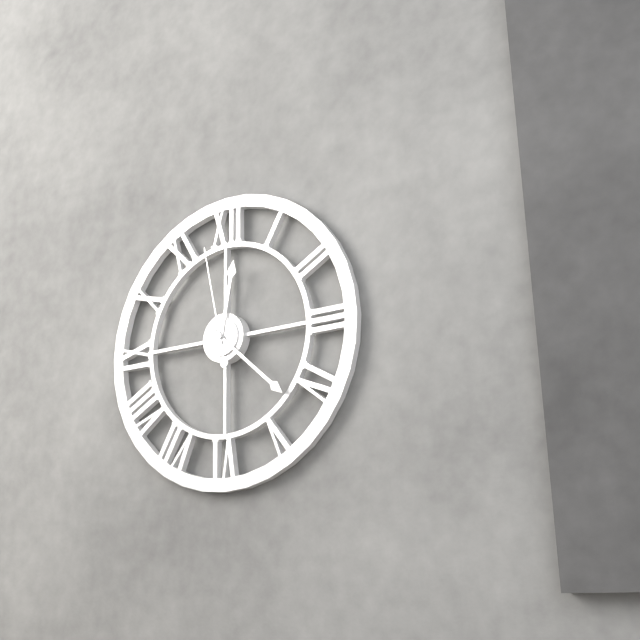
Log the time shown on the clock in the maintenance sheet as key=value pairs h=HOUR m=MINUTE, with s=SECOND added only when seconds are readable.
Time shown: h=12 m=22 s=58
